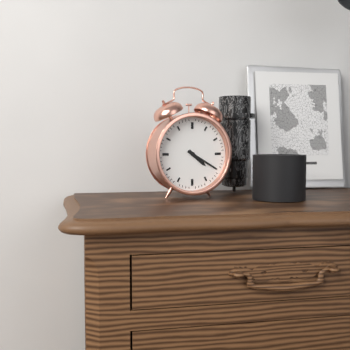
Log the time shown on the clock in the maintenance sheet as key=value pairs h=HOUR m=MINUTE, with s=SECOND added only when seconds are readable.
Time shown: h=4 m=20
